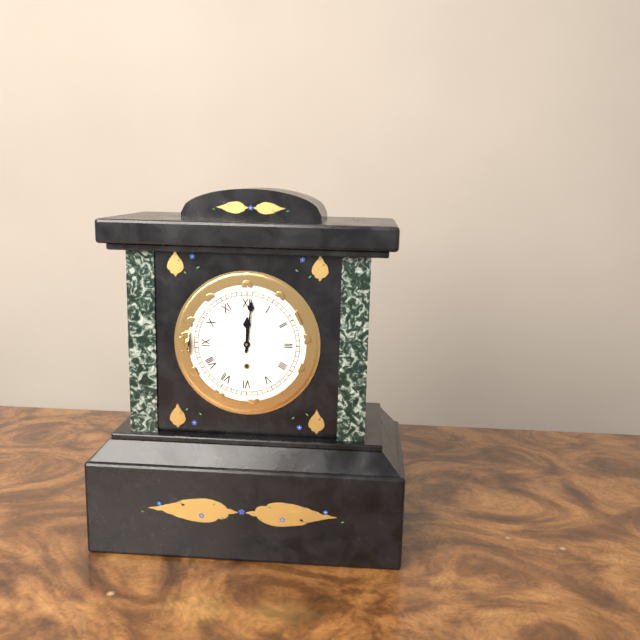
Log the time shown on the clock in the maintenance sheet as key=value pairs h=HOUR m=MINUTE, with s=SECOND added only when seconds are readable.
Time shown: h=12 m=1
